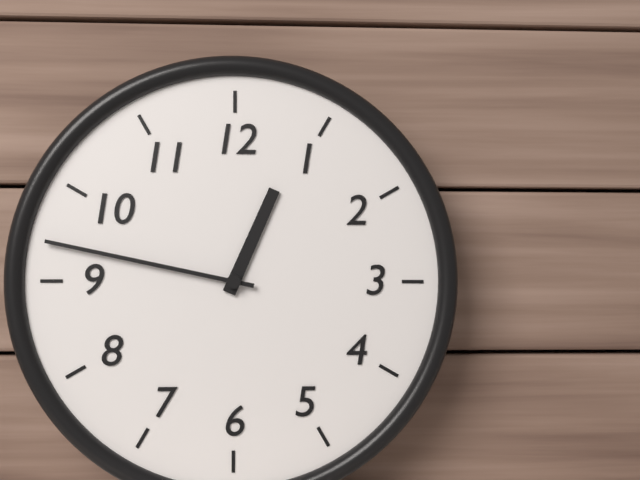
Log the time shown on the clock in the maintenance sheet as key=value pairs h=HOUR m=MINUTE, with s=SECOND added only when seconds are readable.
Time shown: h=12 m=47
